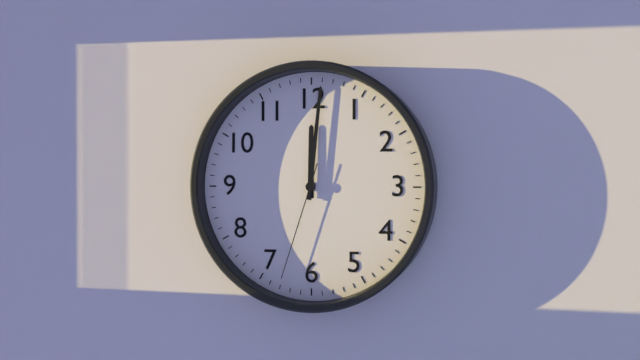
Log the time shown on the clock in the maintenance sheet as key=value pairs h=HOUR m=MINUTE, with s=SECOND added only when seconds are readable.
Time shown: h=12 m=1 s=33
